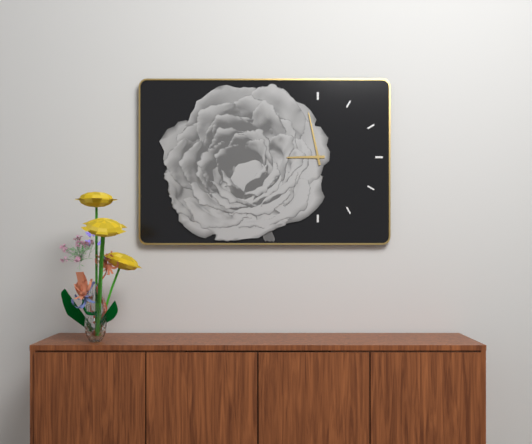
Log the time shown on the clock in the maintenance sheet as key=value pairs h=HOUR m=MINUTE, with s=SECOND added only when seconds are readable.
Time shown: h=8 m=58
